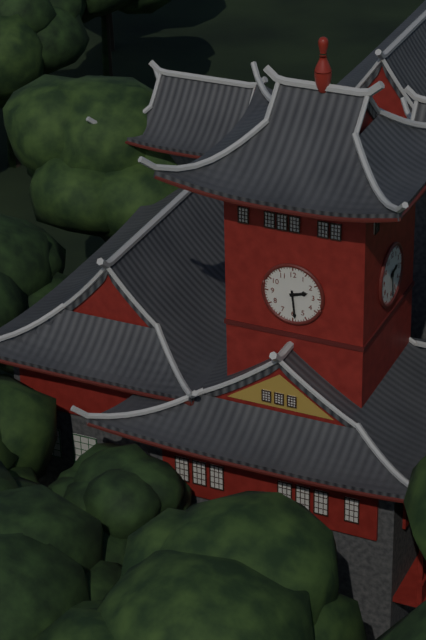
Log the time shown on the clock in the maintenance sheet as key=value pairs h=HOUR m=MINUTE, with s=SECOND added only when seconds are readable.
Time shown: h=2 m=29
